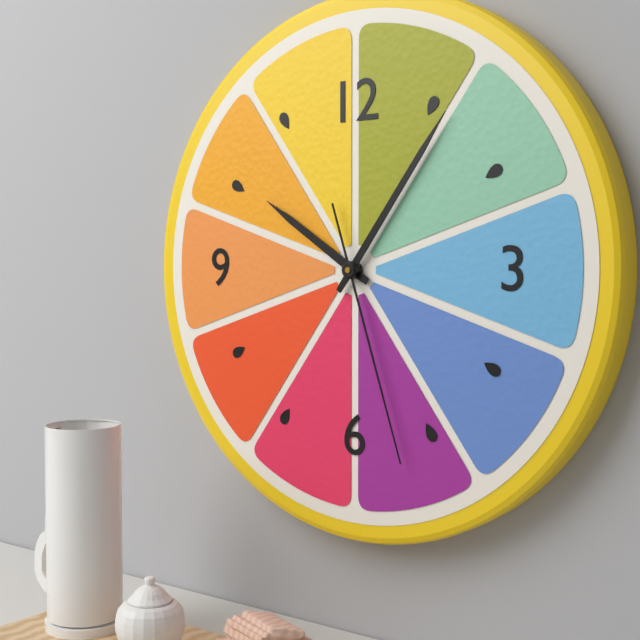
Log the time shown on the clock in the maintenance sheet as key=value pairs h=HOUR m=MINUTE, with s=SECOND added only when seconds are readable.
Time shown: h=10 m=6 s=27
